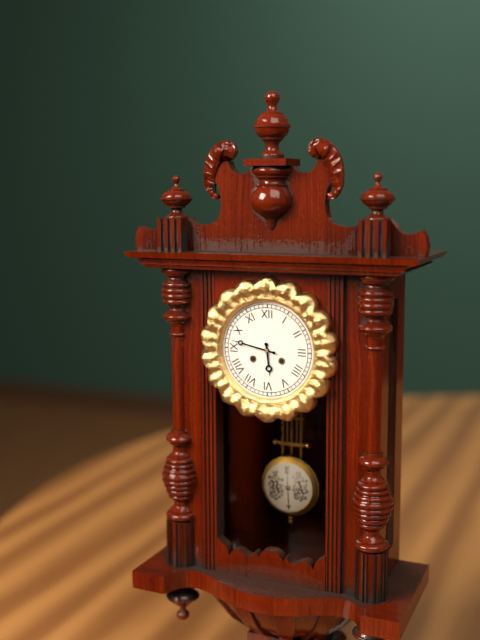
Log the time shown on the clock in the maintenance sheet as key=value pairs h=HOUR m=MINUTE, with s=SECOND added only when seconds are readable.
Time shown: h=5 m=47
